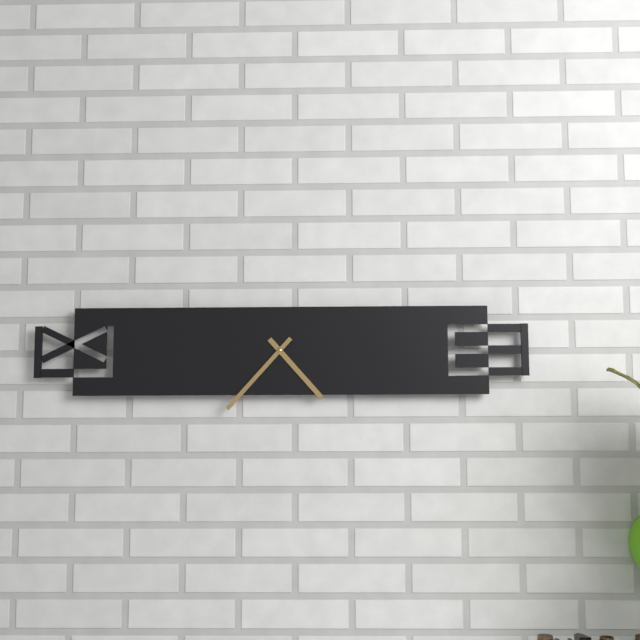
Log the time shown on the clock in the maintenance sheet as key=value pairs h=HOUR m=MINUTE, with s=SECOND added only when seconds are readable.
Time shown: h=4 m=37
